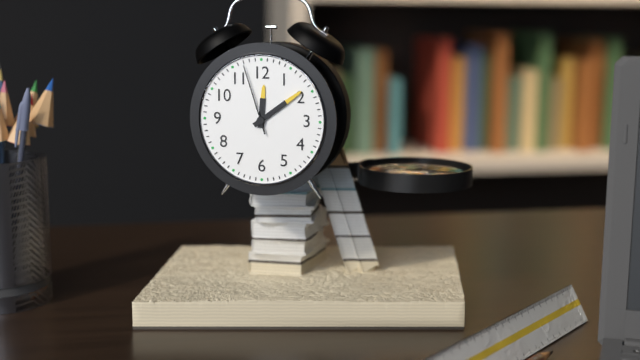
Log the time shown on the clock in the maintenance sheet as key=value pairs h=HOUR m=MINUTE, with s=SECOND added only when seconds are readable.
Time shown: h=12 m=9 s=57
